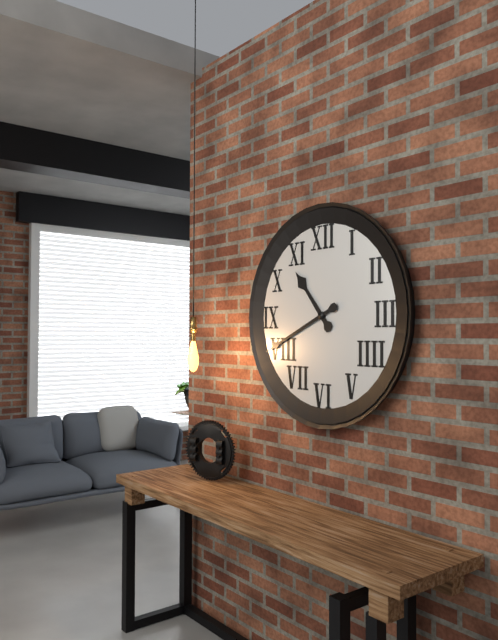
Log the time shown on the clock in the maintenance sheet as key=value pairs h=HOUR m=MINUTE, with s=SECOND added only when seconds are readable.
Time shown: h=10 m=41
